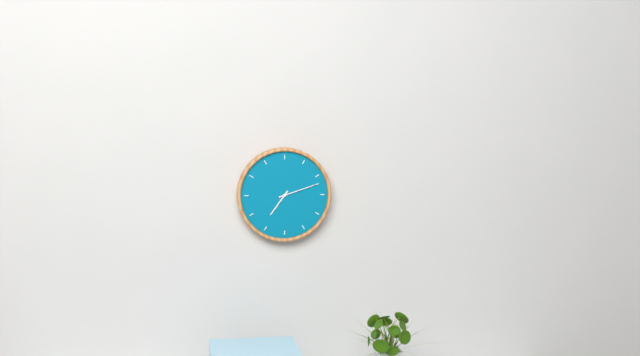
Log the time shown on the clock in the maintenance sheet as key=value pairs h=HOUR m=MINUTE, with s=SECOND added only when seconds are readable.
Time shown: h=7 m=12
